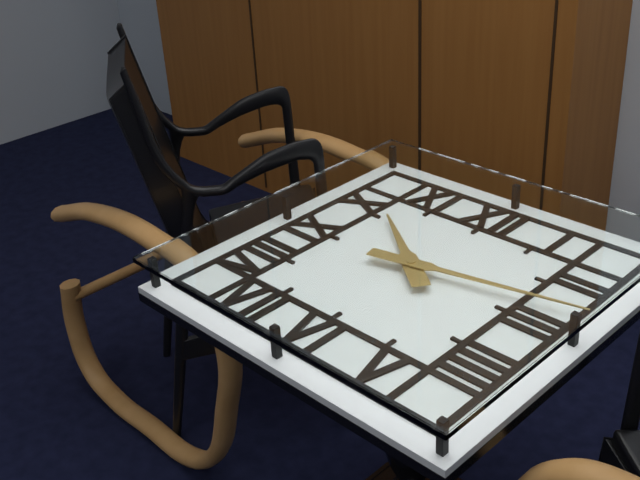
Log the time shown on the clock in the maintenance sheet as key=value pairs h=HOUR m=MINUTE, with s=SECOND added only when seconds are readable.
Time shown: h=10 m=13
